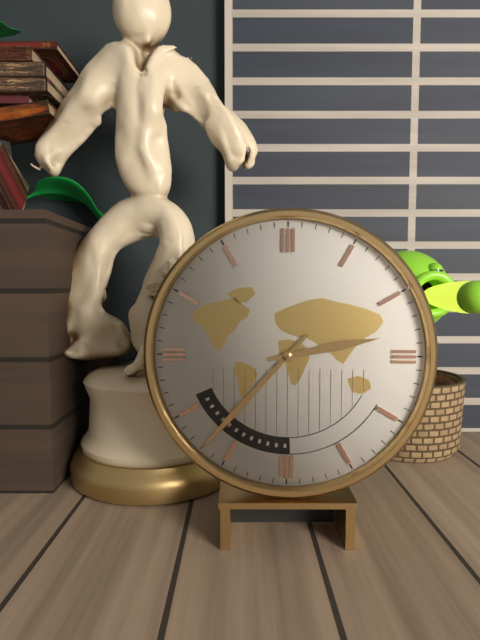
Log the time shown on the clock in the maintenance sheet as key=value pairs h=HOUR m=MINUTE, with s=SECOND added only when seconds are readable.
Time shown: h=2 m=37
